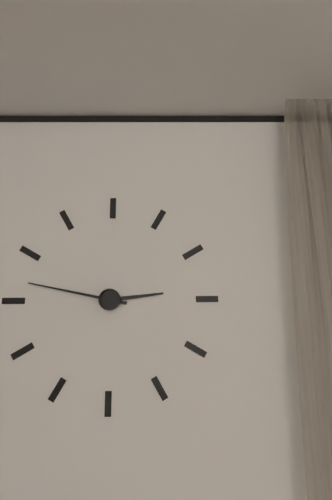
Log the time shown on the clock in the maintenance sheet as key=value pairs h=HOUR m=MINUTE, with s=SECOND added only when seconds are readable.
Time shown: h=2 m=47
